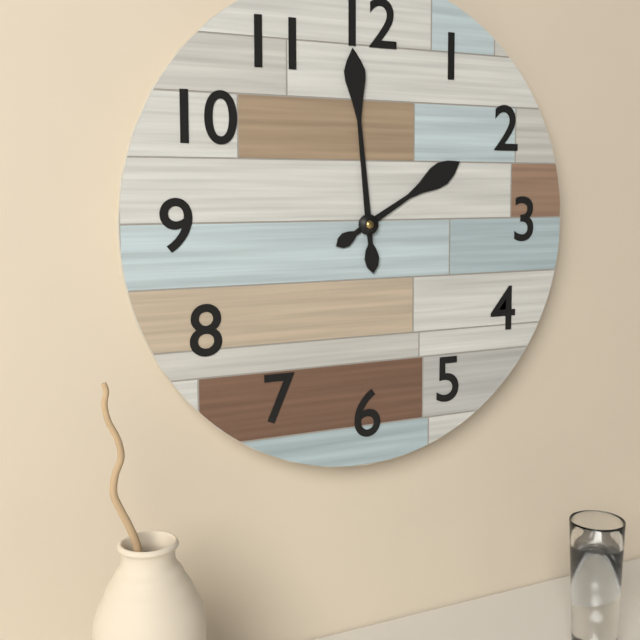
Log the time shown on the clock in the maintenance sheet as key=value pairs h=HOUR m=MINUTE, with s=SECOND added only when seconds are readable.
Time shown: h=1 m=59
